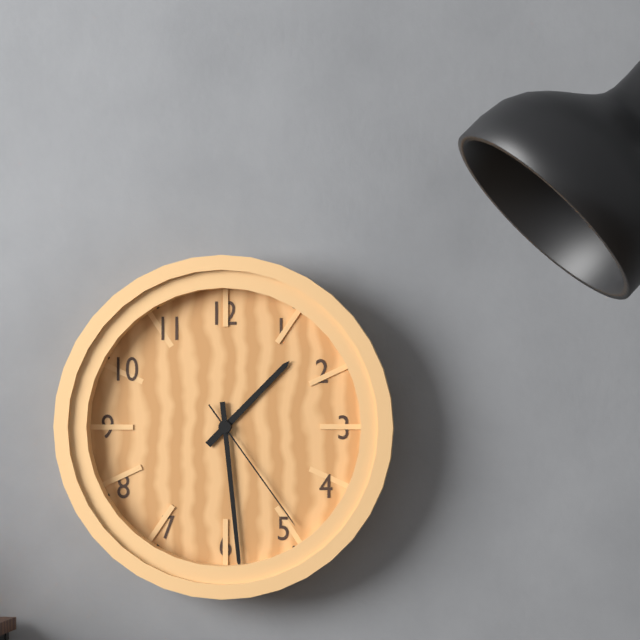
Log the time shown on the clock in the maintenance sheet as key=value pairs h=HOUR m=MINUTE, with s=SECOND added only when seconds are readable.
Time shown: h=1 m=29 s=24
